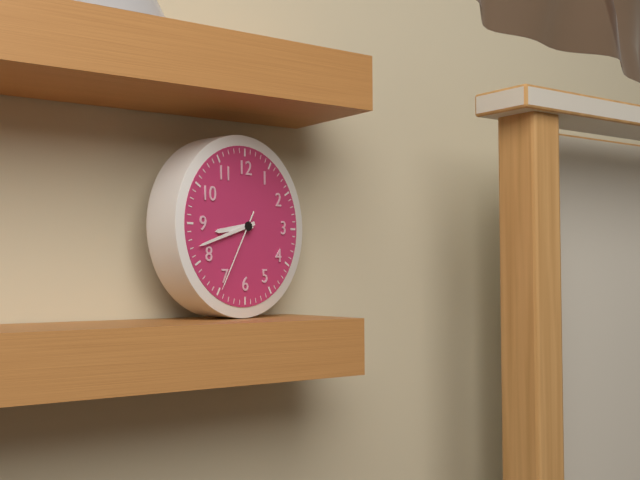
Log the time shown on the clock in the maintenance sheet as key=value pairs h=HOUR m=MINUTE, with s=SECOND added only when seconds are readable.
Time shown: h=8 m=42 s=35
